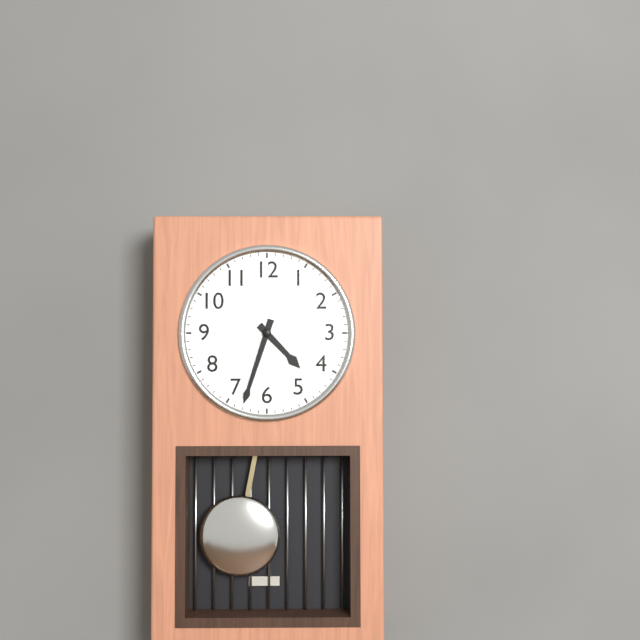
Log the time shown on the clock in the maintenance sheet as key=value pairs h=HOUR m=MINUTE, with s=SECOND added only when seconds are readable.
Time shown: h=4 m=33
